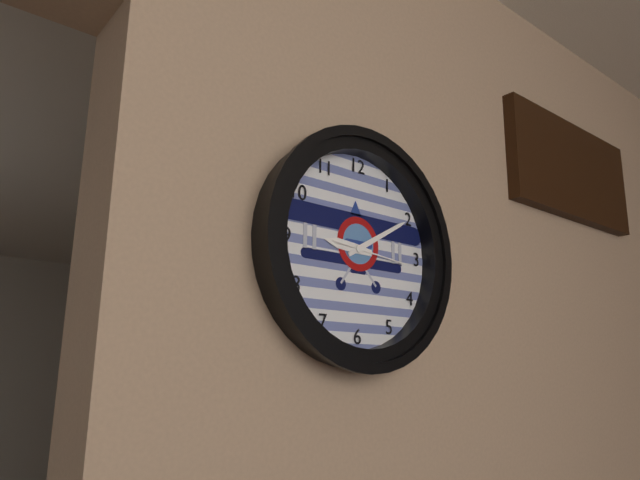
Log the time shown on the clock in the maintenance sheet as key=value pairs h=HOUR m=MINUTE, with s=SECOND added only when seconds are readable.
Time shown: h=9 m=10 s=16
